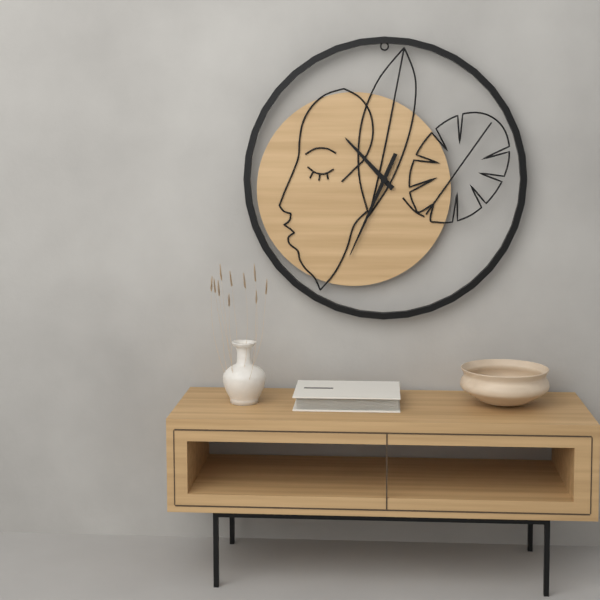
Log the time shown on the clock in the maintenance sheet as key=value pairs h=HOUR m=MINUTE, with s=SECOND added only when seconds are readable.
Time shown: h=10 m=34
